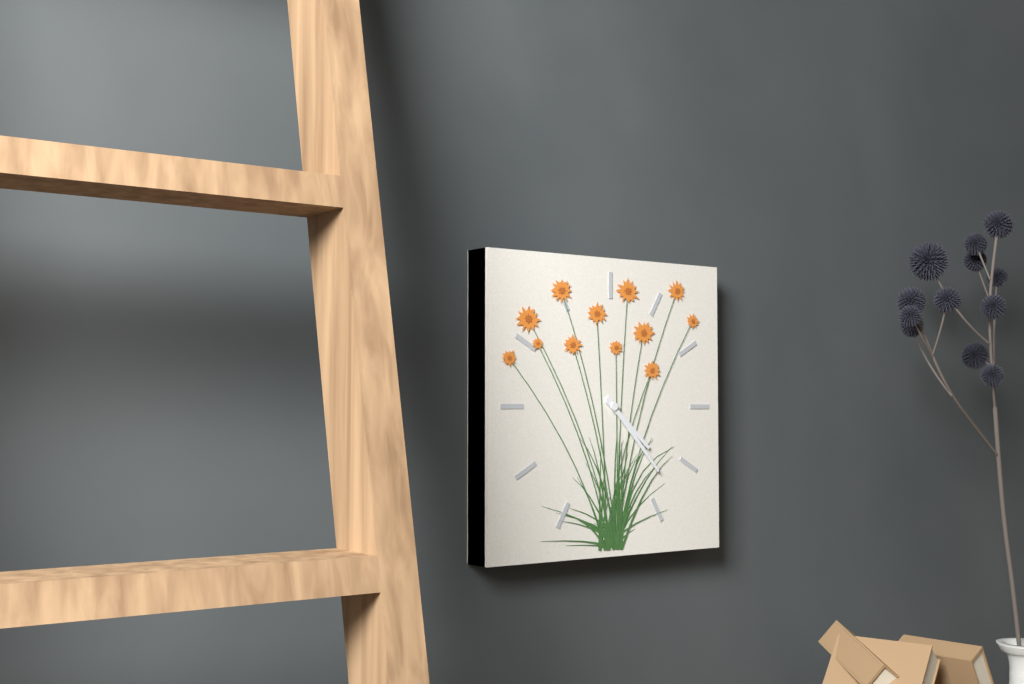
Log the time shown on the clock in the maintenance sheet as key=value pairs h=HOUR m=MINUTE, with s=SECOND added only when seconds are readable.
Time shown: h=4 m=23
